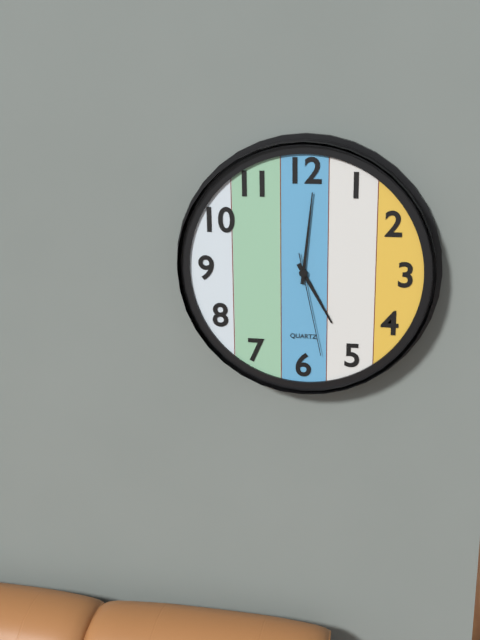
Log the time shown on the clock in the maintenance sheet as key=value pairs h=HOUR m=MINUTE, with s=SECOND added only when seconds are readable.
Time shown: h=5 m=1 s=28
